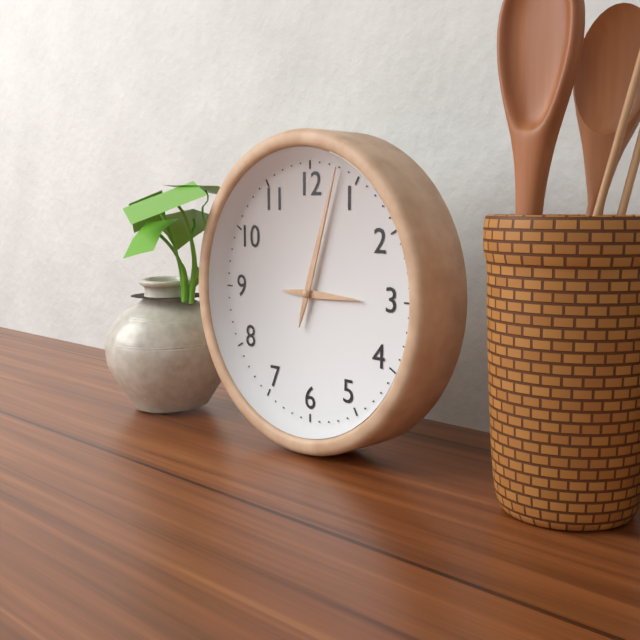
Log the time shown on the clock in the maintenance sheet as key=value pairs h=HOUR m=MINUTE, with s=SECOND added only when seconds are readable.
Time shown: h=3 m=3
